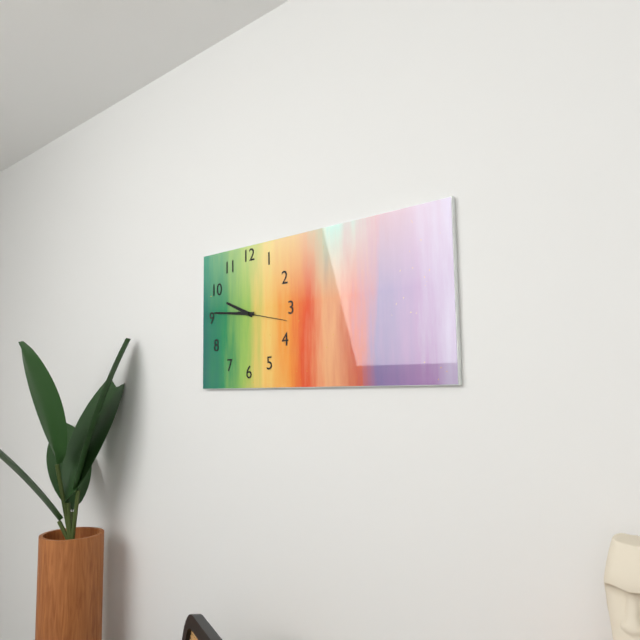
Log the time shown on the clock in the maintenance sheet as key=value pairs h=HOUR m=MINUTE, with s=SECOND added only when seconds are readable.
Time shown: h=9 m=46
